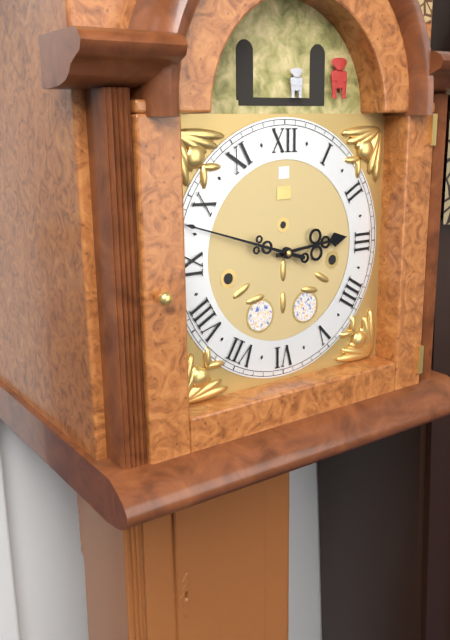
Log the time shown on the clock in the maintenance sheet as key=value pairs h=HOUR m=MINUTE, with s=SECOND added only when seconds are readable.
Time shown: h=2 m=48
